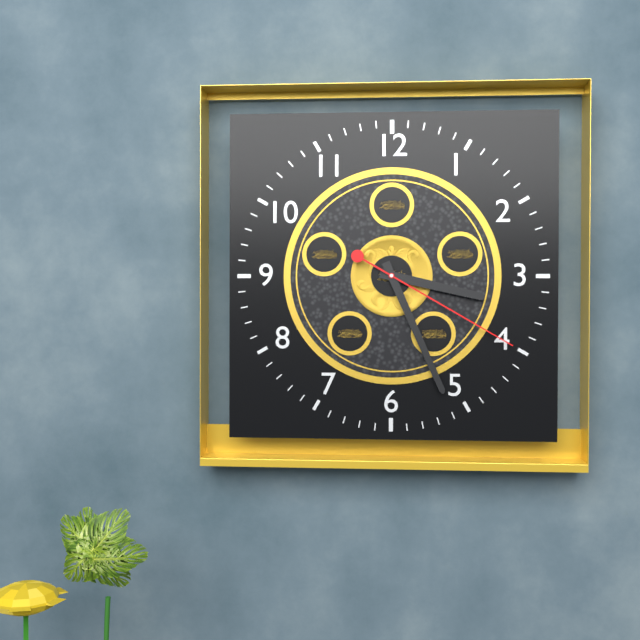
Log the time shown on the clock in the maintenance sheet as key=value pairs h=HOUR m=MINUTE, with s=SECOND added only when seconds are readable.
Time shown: h=3 m=26 s=20
